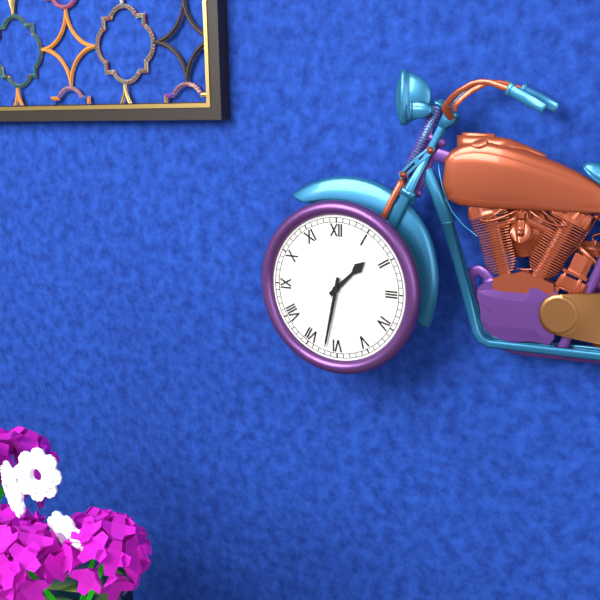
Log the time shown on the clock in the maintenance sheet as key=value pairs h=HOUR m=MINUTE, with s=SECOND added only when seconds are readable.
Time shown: h=1 m=32
